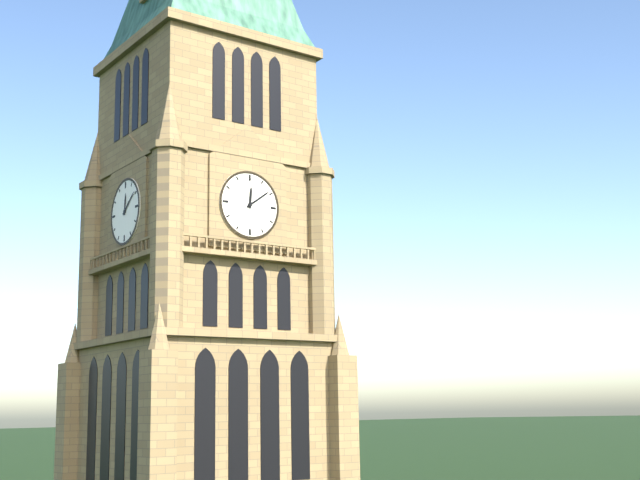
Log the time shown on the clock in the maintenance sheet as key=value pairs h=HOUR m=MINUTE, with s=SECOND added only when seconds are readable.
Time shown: h=12 m=9
